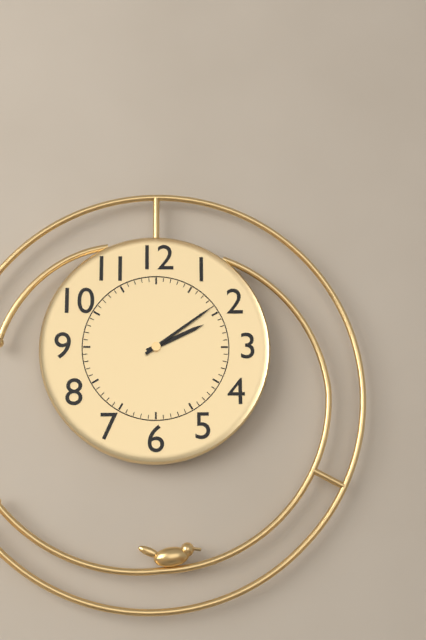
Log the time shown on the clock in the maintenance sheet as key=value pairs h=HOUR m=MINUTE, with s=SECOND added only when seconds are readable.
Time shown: h=2 m=9
